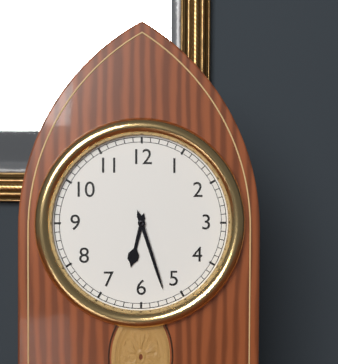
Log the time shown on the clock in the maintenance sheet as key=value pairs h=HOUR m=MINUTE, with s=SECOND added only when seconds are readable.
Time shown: h=6 m=27
